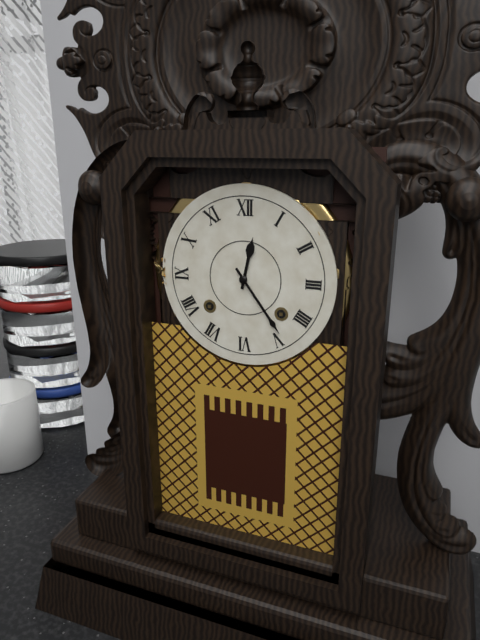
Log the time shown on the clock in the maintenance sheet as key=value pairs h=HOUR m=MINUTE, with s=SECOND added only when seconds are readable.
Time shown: h=12 m=24
